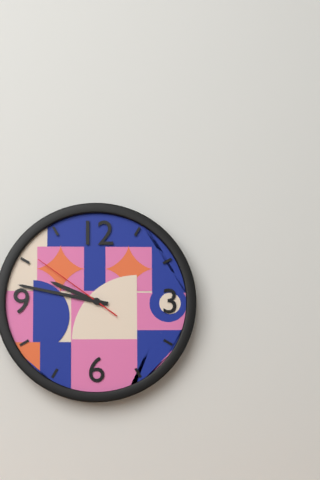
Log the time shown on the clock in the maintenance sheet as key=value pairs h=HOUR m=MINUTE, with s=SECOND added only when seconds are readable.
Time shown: h=9 m=47 s=51
